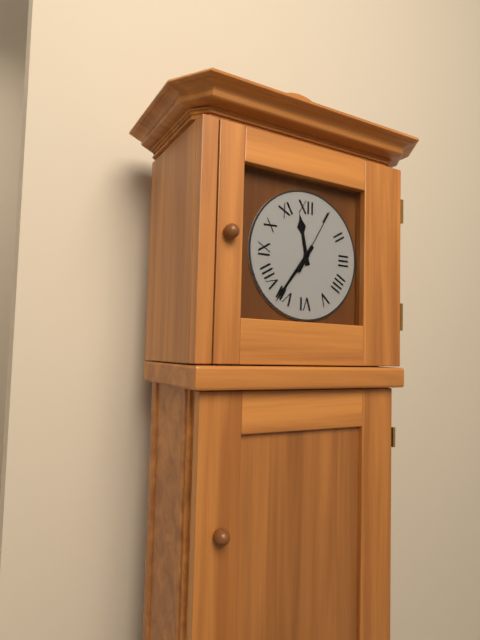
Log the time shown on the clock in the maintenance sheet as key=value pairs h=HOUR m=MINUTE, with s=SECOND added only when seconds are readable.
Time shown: h=11 m=36 s=5
